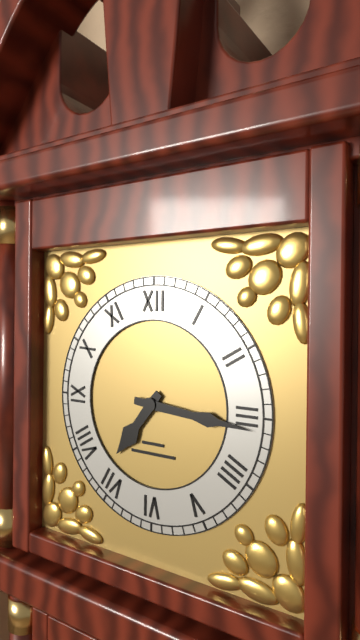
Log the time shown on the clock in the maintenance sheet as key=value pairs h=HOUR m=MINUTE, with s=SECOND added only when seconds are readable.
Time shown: h=7 m=16
